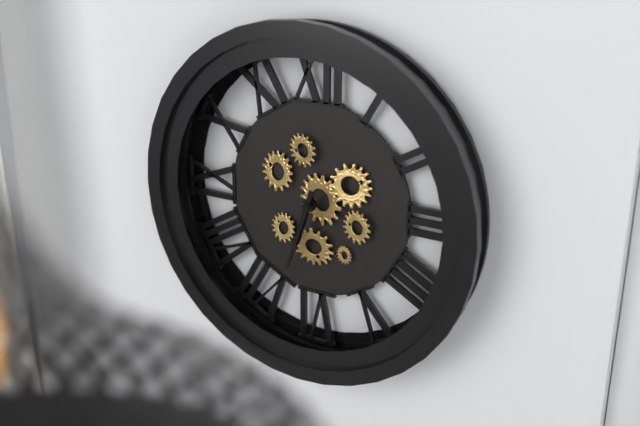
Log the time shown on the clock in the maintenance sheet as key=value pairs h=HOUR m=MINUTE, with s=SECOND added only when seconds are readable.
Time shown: h=6 m=33
